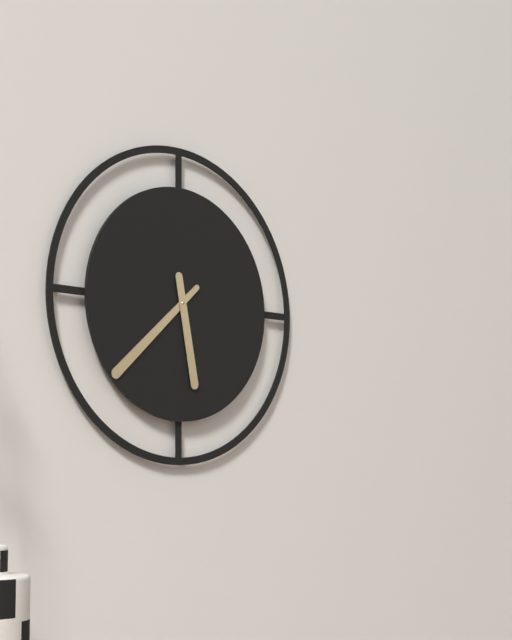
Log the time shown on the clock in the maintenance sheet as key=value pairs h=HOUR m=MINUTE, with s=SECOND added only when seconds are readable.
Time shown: h=5 m=38
